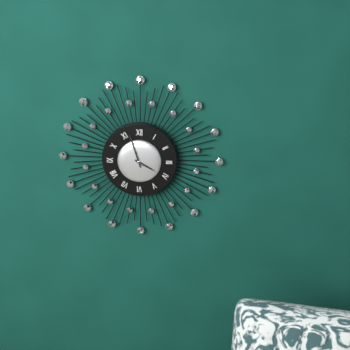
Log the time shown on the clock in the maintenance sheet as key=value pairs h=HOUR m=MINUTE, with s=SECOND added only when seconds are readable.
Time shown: h=3 m=57
